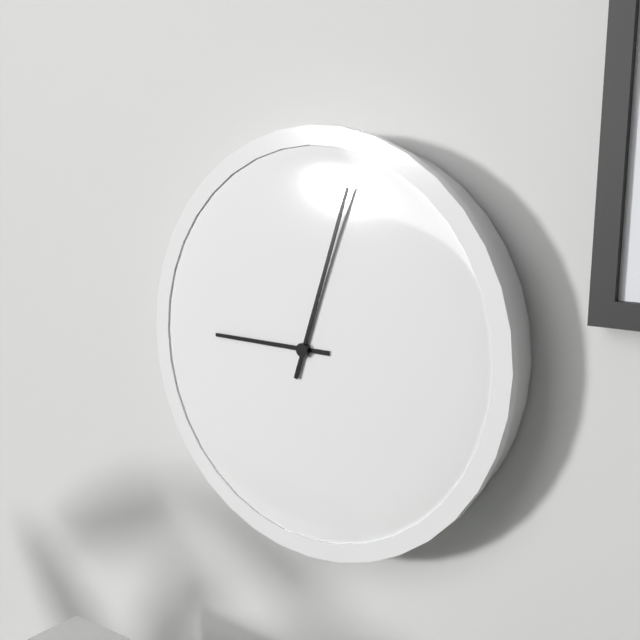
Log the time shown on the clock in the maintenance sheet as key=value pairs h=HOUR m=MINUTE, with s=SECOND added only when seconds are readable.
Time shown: h=9 m=3
